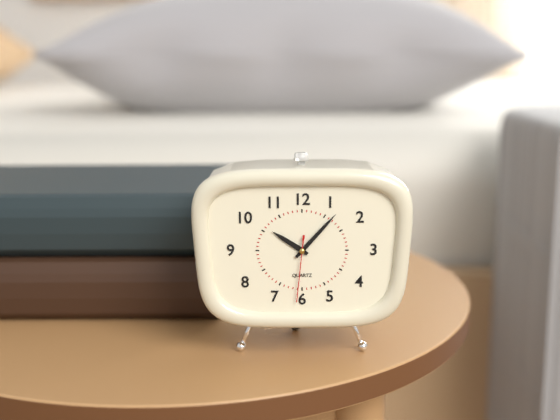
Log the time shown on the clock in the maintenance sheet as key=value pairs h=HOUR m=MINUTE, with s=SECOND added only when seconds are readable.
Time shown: h=10 m=7 s=31
